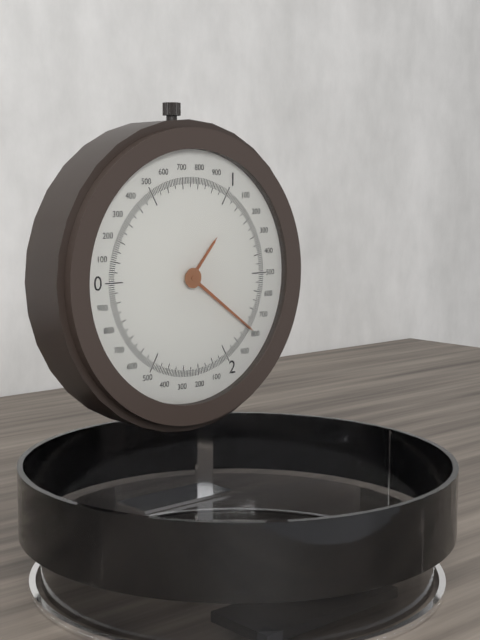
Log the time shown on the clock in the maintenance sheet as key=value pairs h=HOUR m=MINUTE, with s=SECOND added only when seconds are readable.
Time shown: h=1 m=21
